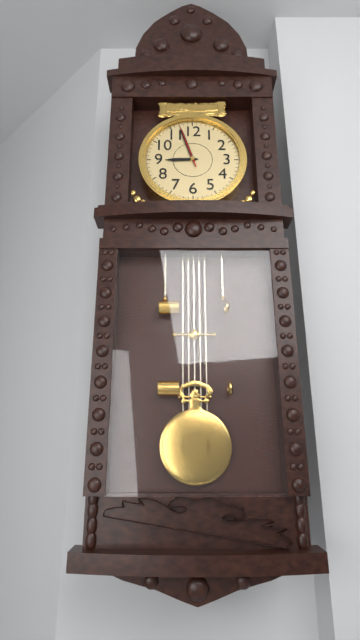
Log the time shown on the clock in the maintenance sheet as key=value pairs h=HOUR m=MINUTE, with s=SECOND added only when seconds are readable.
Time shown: h=8 m=57
